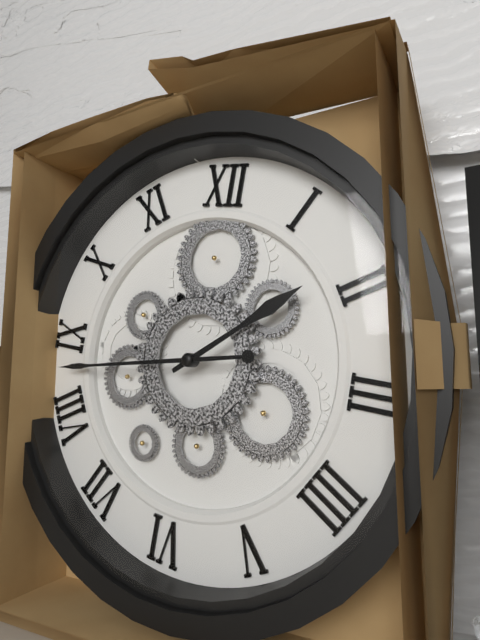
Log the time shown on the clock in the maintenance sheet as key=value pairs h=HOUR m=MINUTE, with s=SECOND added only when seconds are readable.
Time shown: h=1 m=43
